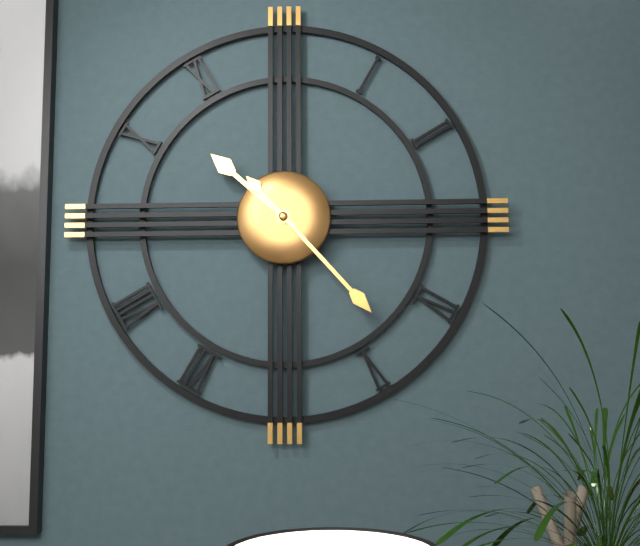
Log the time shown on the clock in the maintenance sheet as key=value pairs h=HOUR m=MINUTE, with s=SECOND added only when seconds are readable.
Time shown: h=10 m=23
